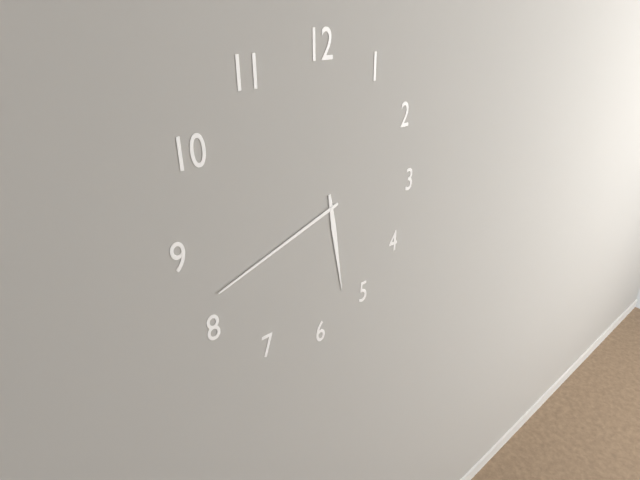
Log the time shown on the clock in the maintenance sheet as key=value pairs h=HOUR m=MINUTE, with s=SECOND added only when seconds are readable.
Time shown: h=5 m=42
